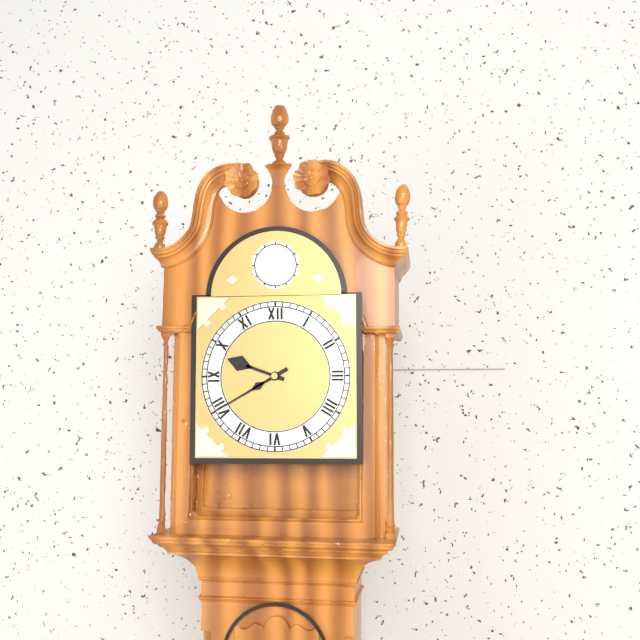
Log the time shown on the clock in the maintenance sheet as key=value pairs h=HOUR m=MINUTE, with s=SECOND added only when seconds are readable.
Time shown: h=9 m=40
